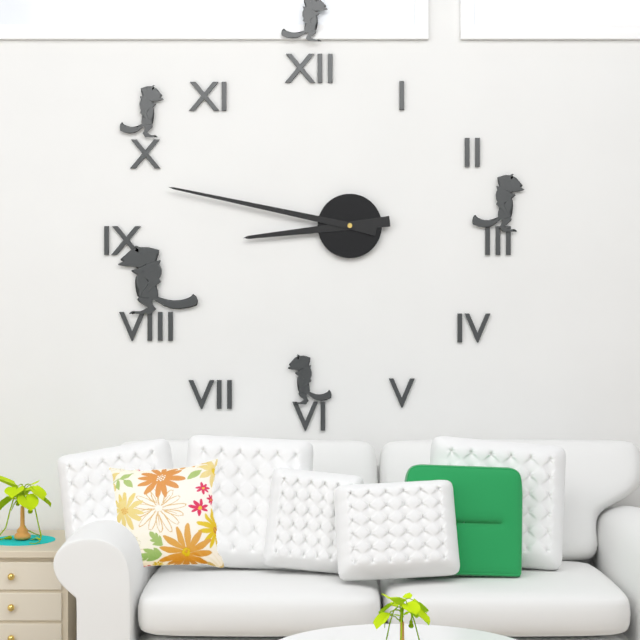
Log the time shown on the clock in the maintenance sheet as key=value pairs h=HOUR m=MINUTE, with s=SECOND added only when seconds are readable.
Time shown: h=8 m=47
